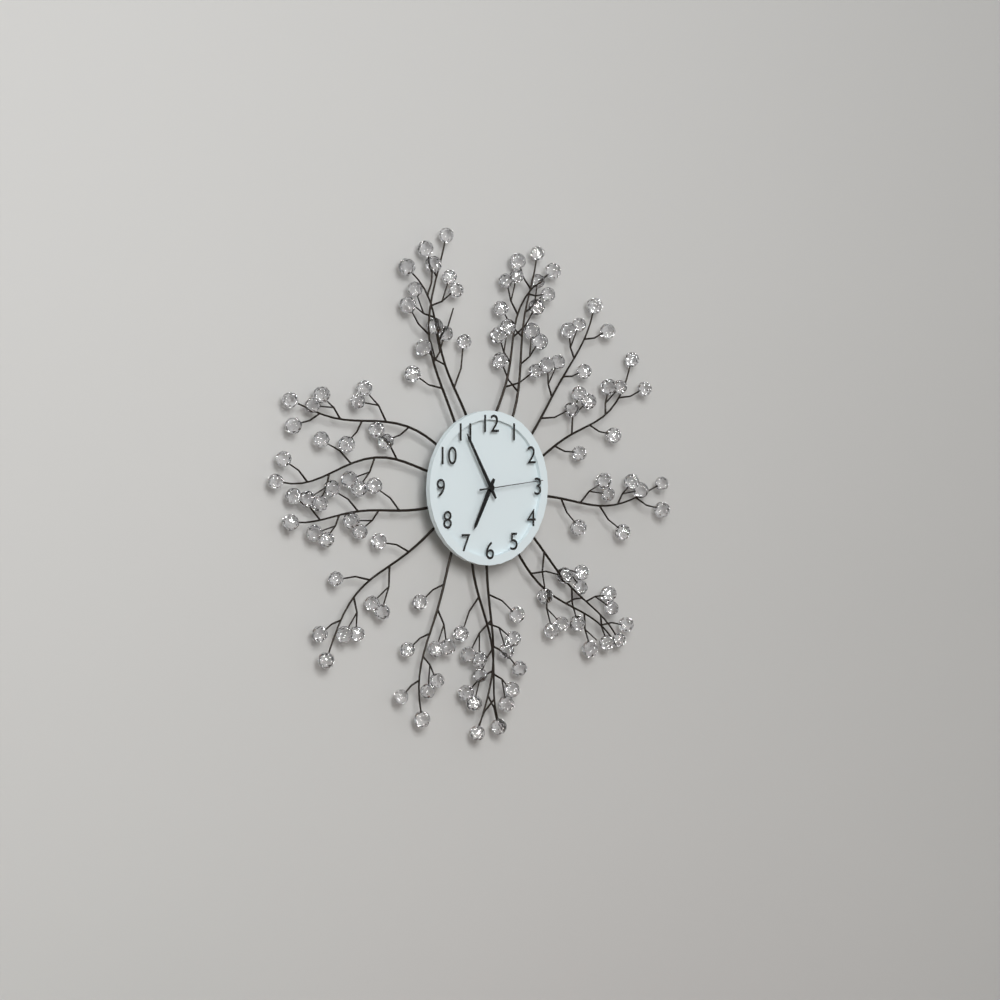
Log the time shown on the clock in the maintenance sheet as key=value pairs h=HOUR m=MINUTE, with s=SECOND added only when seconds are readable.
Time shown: h=6 m=55 s=14
